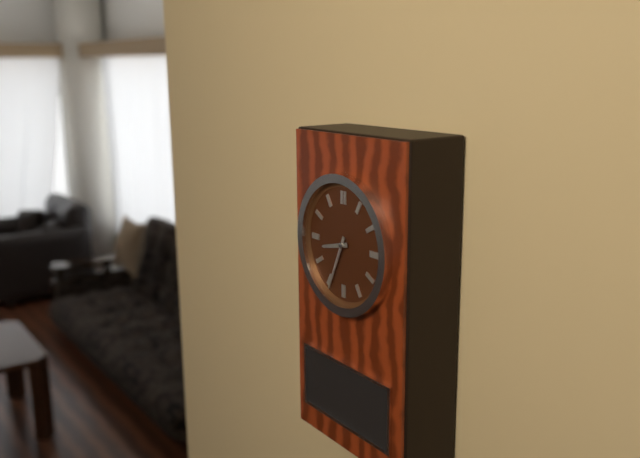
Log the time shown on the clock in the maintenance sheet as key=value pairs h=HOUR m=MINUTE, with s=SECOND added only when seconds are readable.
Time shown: h=8 m=34
